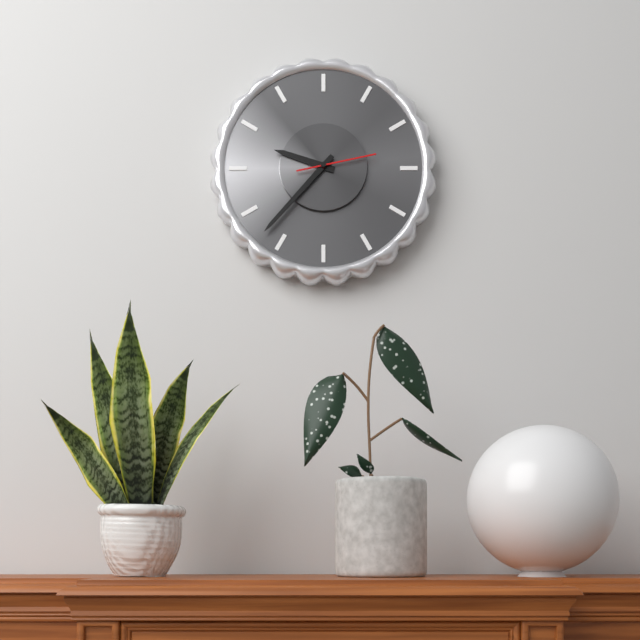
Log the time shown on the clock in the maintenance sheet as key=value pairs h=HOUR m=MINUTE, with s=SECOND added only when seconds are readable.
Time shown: h=9 m=37 s=13
